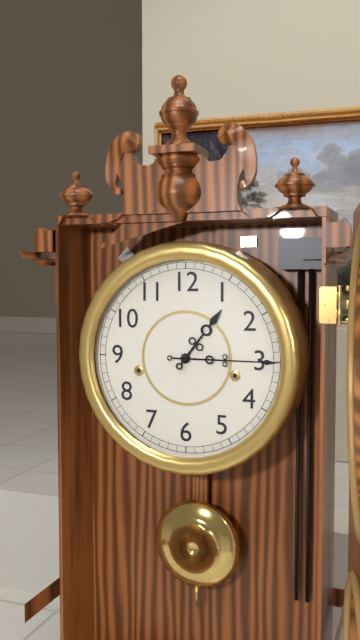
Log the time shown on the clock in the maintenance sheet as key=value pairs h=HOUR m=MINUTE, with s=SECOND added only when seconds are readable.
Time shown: h=1 m=15
